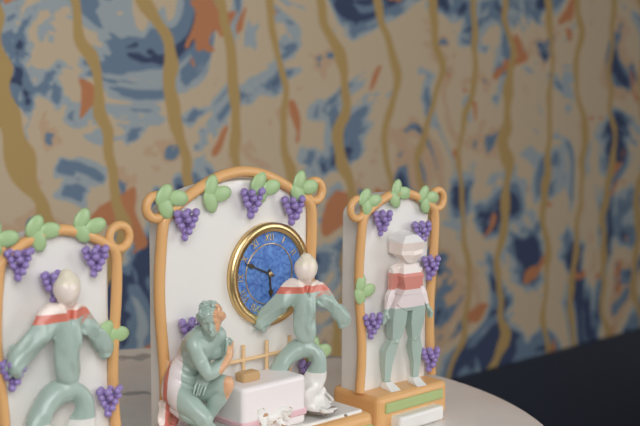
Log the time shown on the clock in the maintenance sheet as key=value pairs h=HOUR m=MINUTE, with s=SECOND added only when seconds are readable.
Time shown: h=5 m=49
